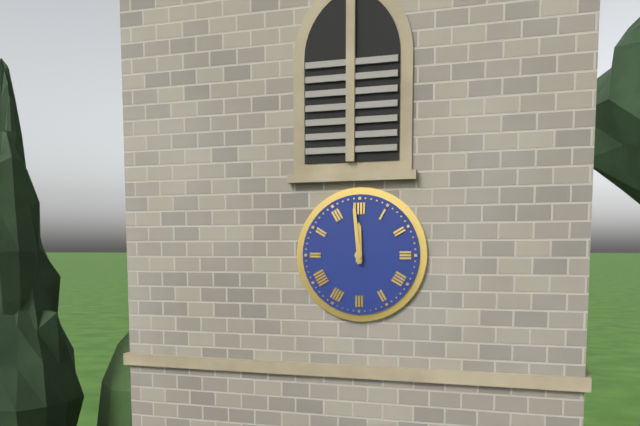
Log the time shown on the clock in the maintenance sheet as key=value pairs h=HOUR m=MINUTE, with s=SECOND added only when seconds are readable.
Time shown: h=11 m=59
